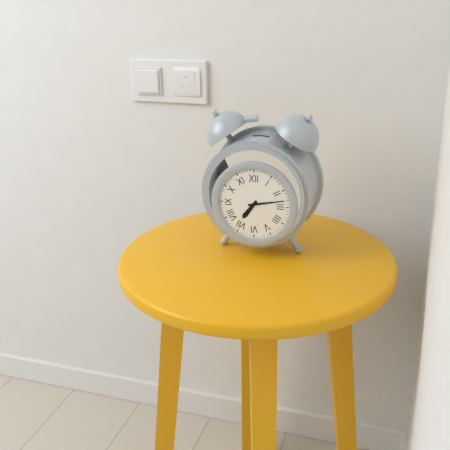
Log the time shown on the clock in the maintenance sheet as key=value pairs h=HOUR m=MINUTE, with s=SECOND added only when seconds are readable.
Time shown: h=7 m=13
